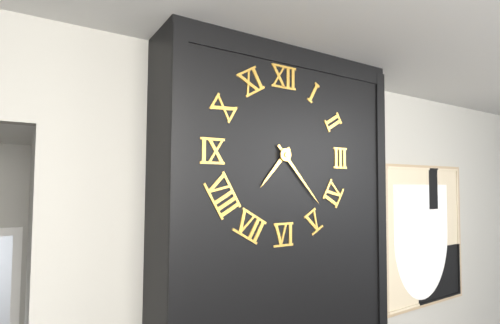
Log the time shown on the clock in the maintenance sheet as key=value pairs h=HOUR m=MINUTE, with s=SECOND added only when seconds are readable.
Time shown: h=7 m=23
